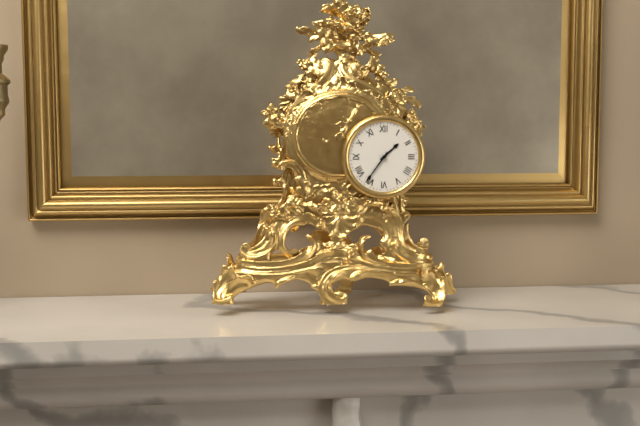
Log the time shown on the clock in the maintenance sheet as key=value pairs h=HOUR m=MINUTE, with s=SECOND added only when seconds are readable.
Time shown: h=1 m=36
